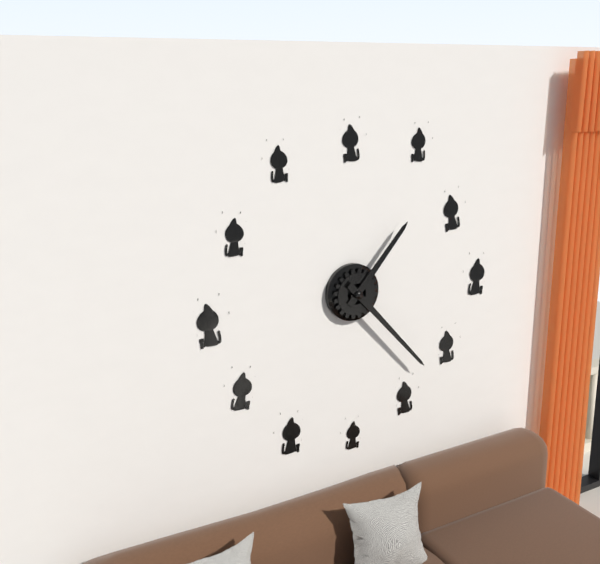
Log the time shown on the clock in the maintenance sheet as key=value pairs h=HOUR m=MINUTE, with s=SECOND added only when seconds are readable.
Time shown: h=1 m=23
